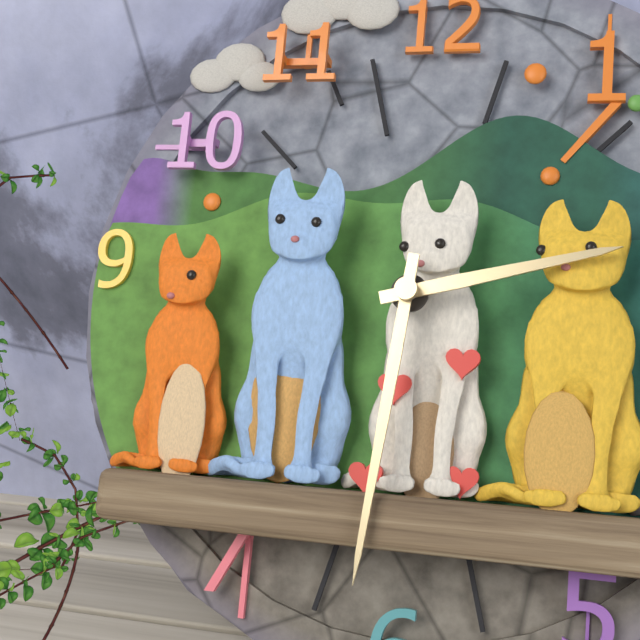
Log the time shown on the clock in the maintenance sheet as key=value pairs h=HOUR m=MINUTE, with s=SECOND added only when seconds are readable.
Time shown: h=2 m=31
